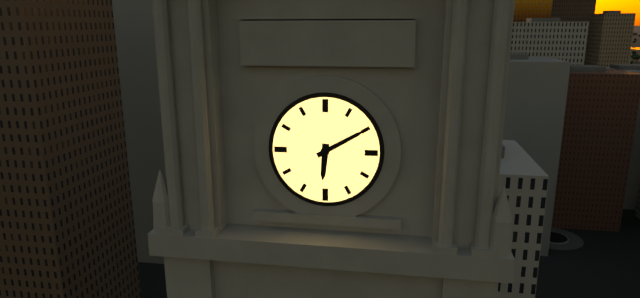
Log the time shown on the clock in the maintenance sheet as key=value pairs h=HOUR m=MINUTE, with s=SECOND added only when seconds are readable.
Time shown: h=6 m=10
